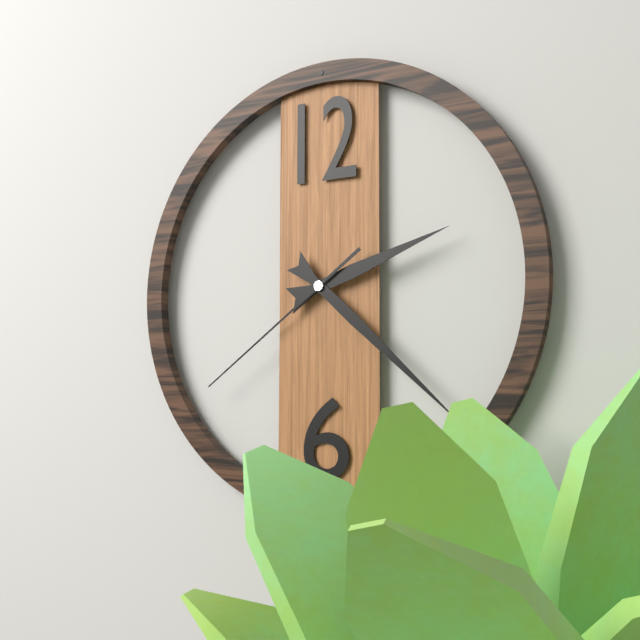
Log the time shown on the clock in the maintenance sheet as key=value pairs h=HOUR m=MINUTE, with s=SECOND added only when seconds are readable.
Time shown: h=2 m=22 s=39
